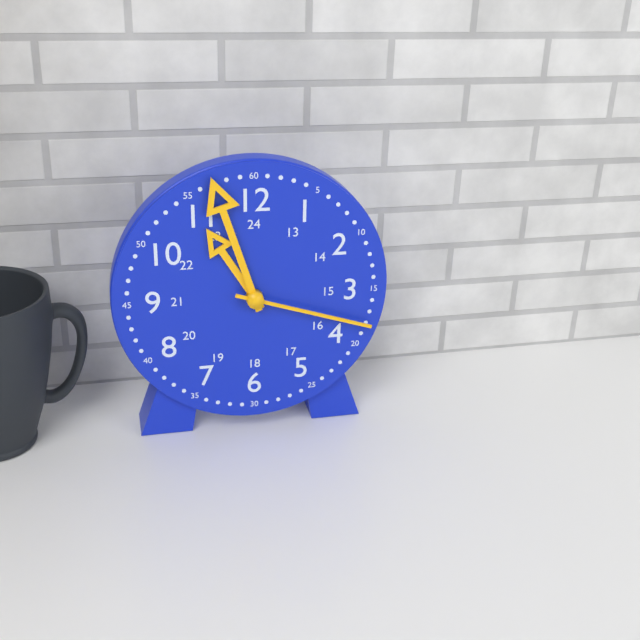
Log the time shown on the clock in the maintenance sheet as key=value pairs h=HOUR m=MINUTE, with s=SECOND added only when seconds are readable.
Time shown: h=10 m=57 s=18
